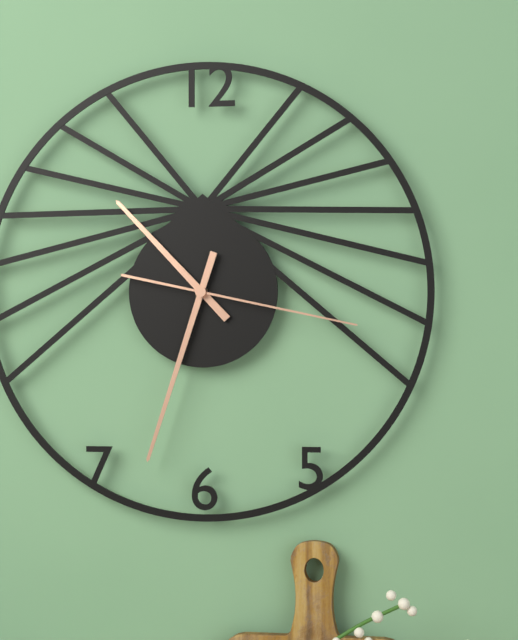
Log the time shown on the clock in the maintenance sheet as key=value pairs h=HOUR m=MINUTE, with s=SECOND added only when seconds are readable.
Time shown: h=10 m=33 s=17
